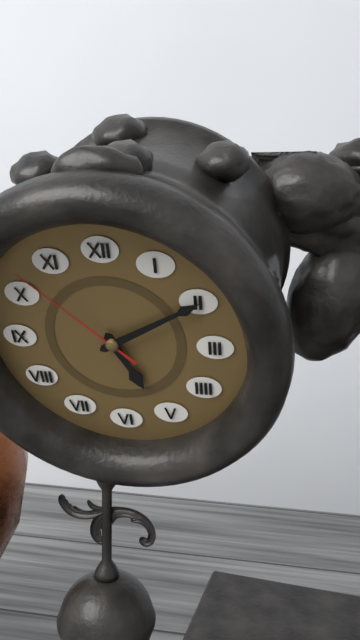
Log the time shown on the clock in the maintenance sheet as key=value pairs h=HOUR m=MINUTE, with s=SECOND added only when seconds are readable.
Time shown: h=5 m=10 s=52
